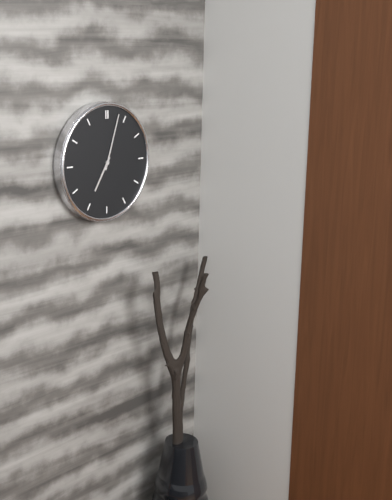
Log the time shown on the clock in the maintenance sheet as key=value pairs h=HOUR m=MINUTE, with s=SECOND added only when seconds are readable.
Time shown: h=7 m=3
